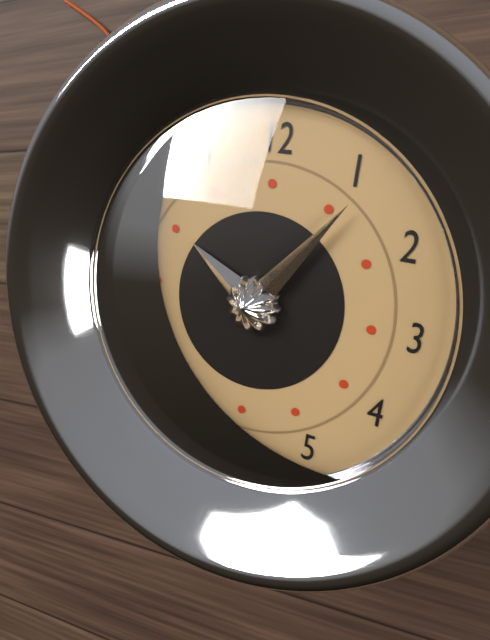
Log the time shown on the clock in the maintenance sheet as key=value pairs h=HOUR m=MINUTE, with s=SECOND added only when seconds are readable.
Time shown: h=10 m=6
